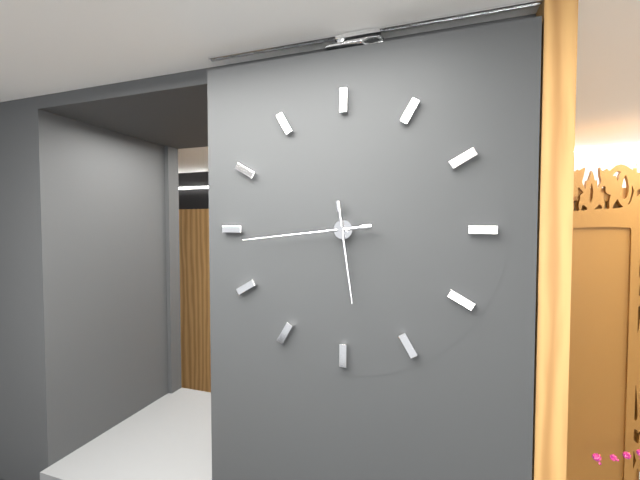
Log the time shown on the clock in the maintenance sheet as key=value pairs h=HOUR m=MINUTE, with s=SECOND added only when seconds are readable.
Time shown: h=5 m=44
